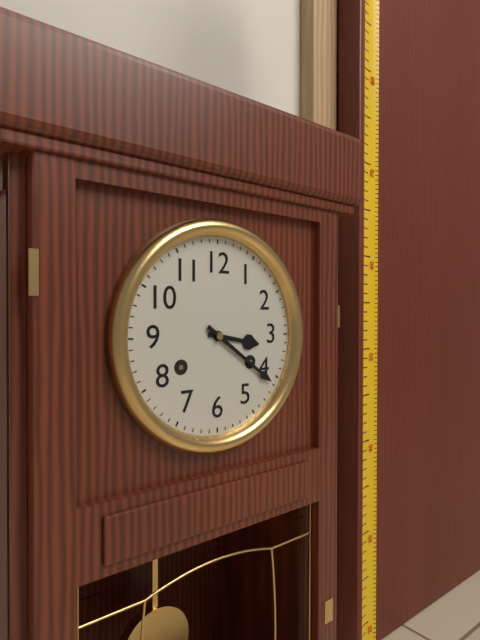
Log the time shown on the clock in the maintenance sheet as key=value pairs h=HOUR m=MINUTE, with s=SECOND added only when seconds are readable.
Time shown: h=3 m=21
